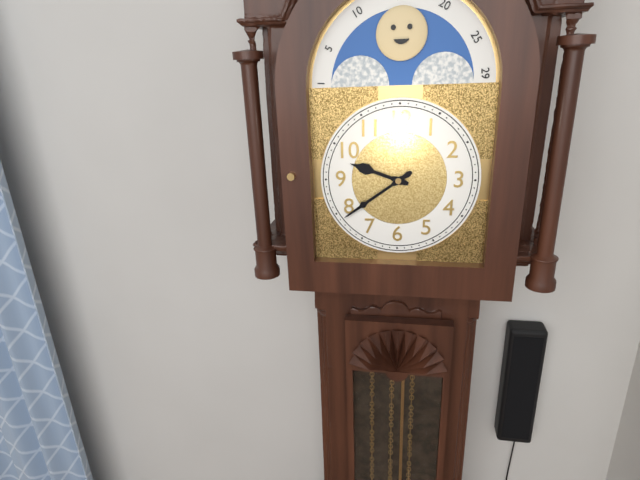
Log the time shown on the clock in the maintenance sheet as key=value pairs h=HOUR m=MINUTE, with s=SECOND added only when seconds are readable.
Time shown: h=9 m=39
